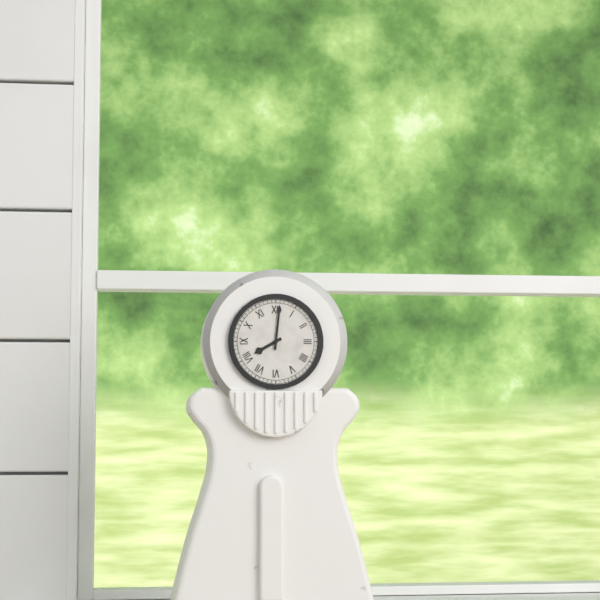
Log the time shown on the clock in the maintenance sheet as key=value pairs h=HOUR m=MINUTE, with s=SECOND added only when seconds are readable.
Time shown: h=8 m=1
